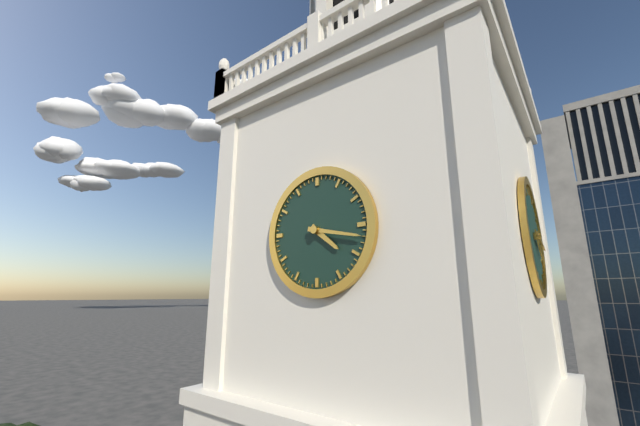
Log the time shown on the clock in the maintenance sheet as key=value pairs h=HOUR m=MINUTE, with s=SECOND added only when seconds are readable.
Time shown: h=4 m=17
